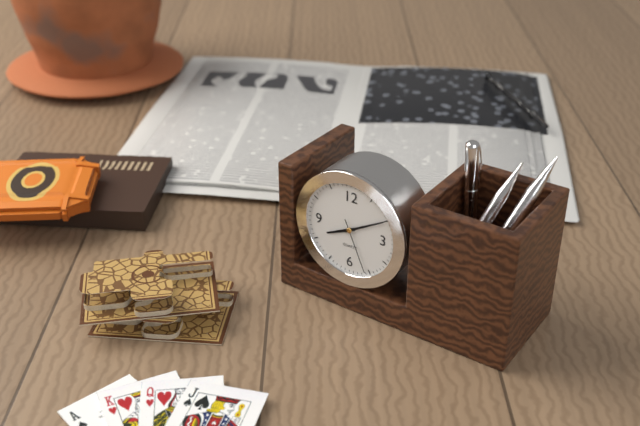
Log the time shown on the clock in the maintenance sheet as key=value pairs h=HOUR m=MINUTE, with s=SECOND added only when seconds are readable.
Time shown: h=8 m=10 s=26
